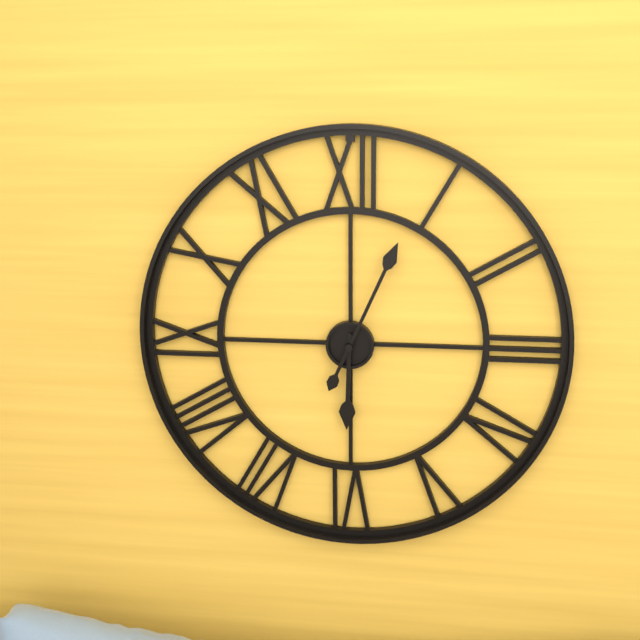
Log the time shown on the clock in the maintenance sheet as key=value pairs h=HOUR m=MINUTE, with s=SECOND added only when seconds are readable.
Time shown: h=6 m=4
